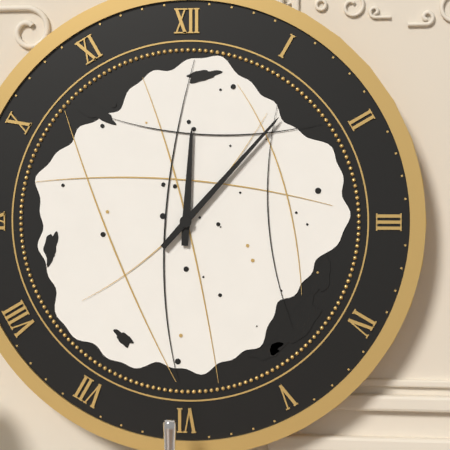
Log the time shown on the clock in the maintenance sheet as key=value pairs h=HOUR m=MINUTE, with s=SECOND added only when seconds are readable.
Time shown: h=12 m=7
